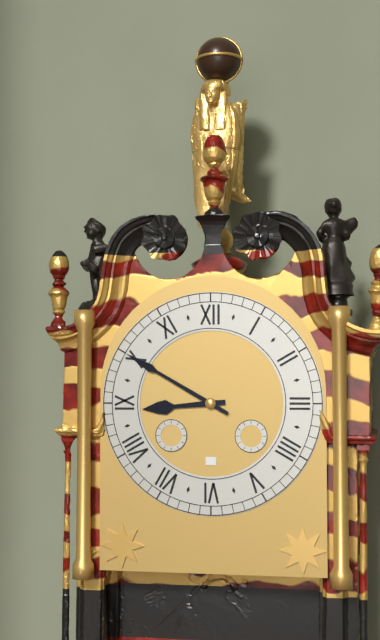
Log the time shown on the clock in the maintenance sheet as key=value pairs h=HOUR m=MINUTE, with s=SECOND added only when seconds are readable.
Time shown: h=8 m=50
